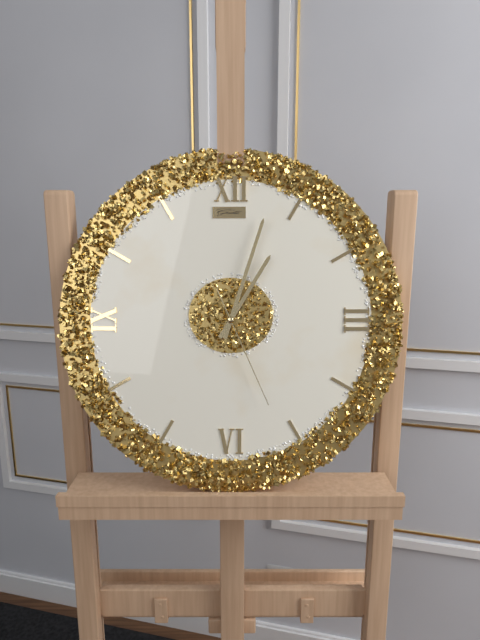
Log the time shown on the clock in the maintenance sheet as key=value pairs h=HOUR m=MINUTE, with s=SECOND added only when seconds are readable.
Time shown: h=1 m=3 s=26
